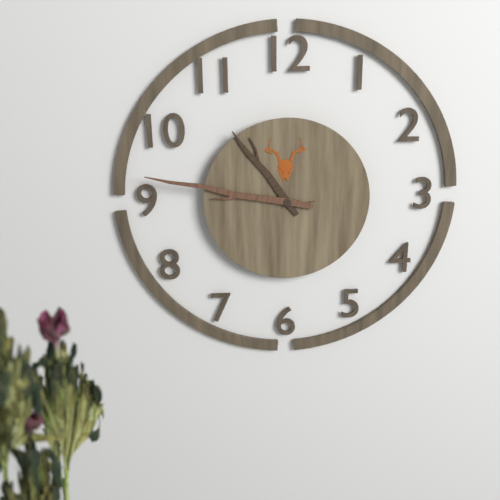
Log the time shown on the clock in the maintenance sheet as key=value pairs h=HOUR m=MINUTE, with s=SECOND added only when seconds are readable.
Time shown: h=10 m=47
